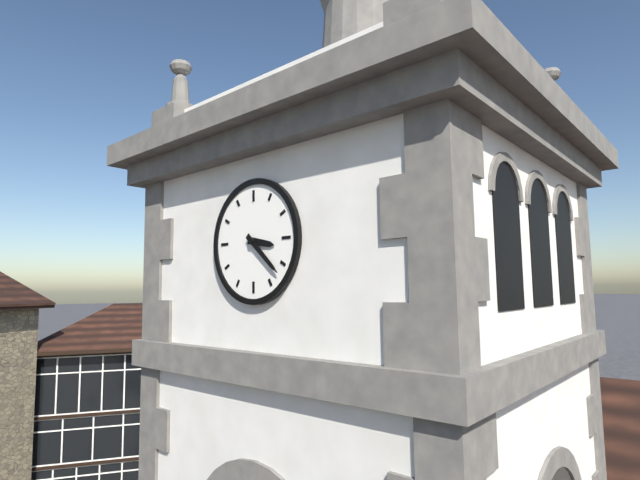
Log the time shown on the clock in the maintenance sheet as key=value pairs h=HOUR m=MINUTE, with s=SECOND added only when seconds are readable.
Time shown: h=3 m=22
